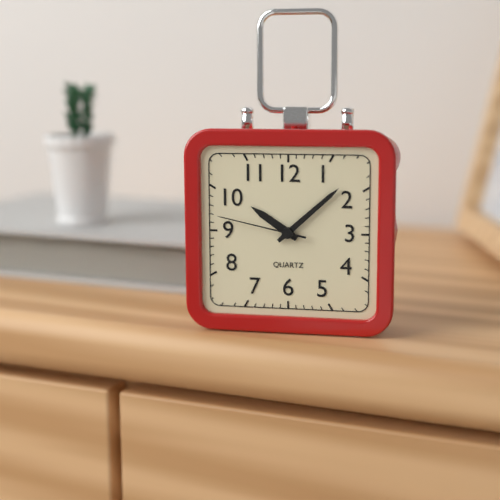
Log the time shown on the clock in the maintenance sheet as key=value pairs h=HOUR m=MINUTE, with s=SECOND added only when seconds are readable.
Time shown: h=10 m=8 s=47
